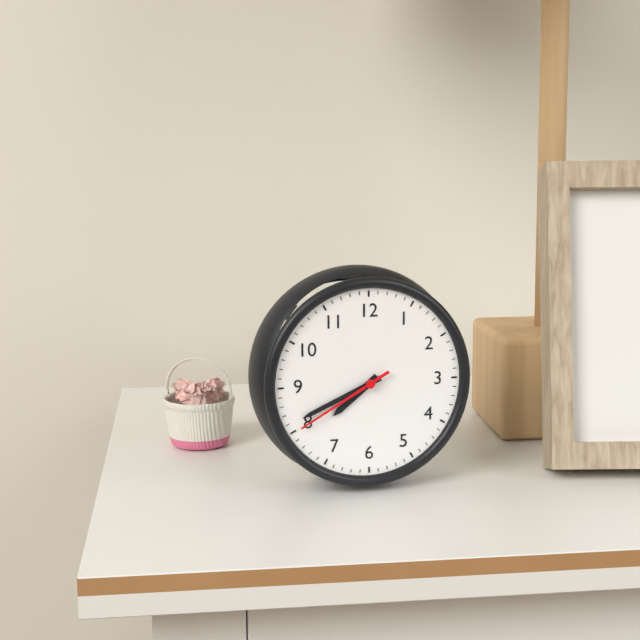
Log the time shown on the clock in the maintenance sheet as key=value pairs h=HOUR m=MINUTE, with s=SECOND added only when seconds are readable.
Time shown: h=7 m=41 s=40
